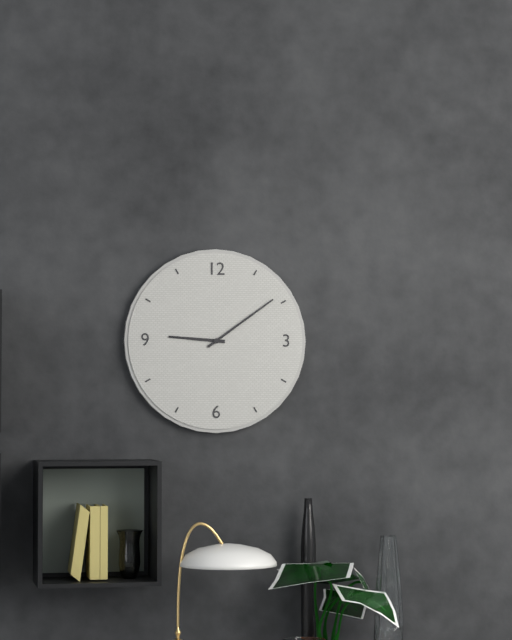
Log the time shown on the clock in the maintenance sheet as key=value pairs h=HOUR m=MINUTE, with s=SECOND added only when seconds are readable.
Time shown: h=9 m=9
